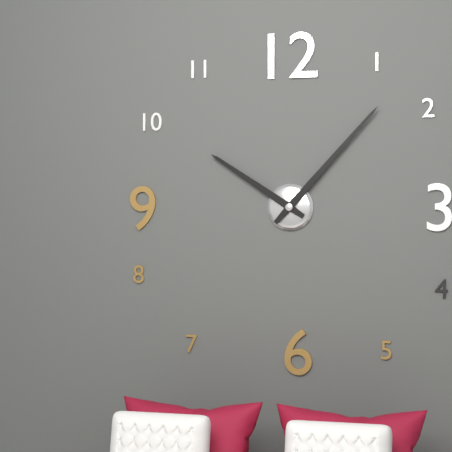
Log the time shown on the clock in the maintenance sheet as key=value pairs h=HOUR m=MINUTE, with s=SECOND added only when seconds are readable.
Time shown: h=10 m=7
